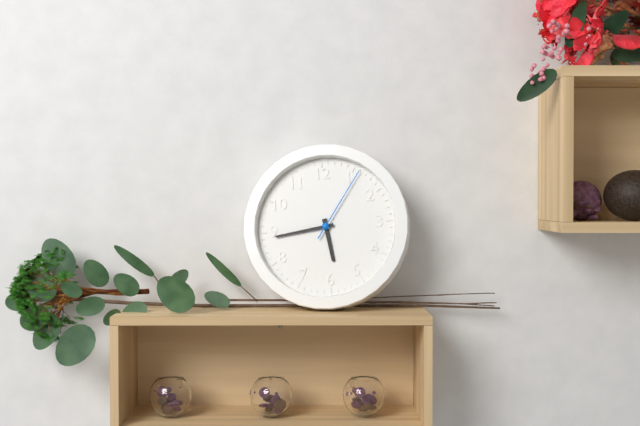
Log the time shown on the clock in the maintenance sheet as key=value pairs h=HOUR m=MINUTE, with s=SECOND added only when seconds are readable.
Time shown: h=5 m=44 s=6
